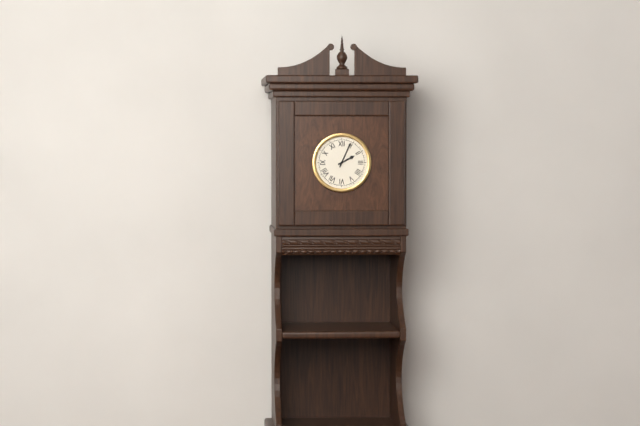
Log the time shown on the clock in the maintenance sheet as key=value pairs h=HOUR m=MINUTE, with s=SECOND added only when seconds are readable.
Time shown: h=2 m=4
